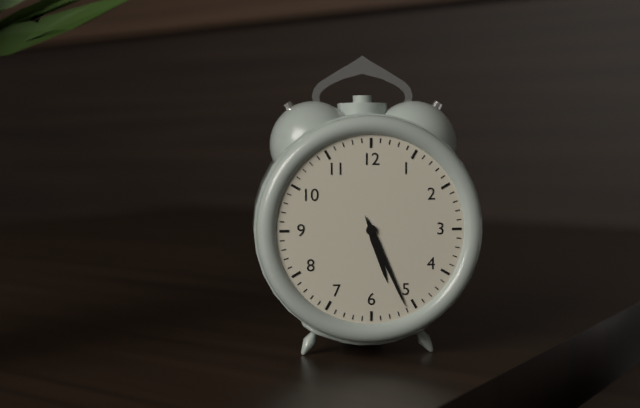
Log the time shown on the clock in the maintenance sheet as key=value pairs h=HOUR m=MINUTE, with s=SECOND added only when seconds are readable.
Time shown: h=5 m=26
